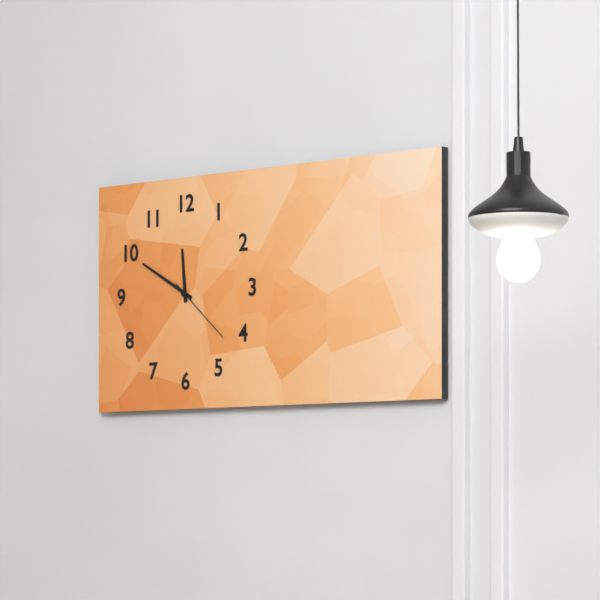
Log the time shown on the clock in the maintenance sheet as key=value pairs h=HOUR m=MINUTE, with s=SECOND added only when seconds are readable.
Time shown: h=11 m=50 s=22
